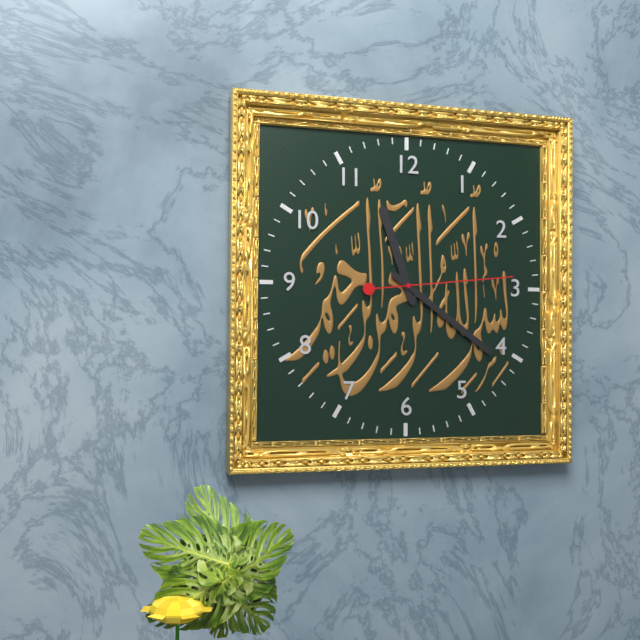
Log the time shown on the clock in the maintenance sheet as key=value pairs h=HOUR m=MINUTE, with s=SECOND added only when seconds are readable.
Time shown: h=11 m=21 s=14
